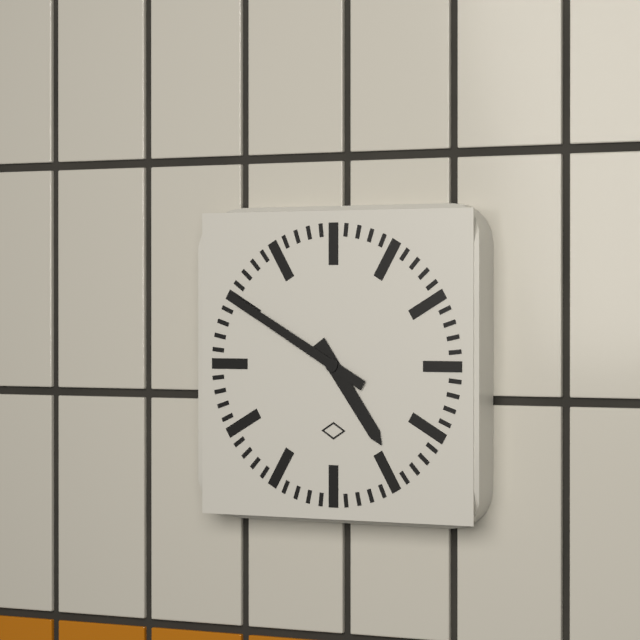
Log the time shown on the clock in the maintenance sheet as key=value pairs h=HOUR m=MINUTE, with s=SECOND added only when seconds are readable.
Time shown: h=4 m=50
